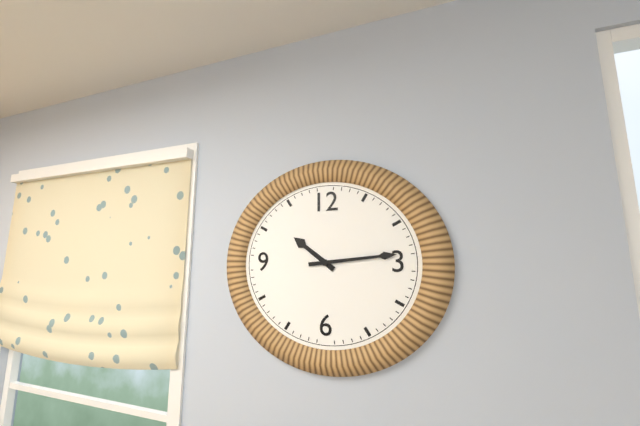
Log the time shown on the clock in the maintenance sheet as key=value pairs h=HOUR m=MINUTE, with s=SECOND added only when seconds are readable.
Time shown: h=10 m=14
